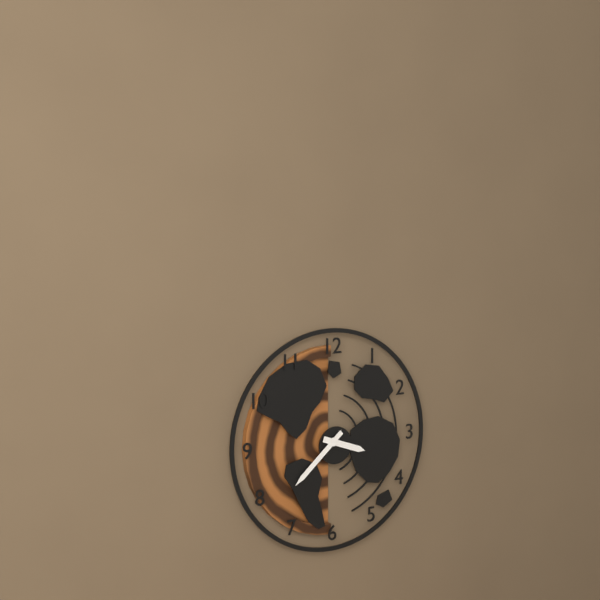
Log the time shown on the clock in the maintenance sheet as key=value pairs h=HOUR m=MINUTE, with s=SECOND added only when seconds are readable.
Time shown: h=3 m=38
